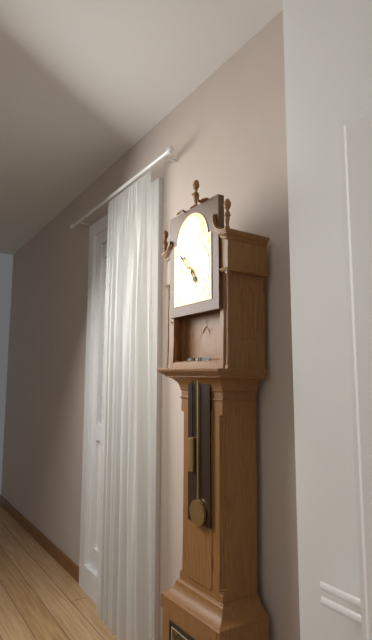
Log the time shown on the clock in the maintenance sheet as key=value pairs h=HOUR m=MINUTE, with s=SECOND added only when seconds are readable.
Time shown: h=4 m=53
